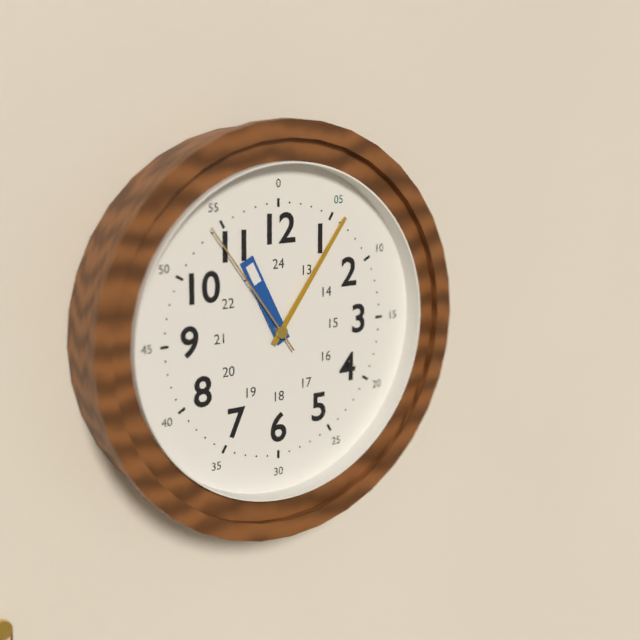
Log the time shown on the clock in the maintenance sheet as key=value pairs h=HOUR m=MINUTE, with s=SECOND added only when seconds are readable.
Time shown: h=11 m=6 s=54
